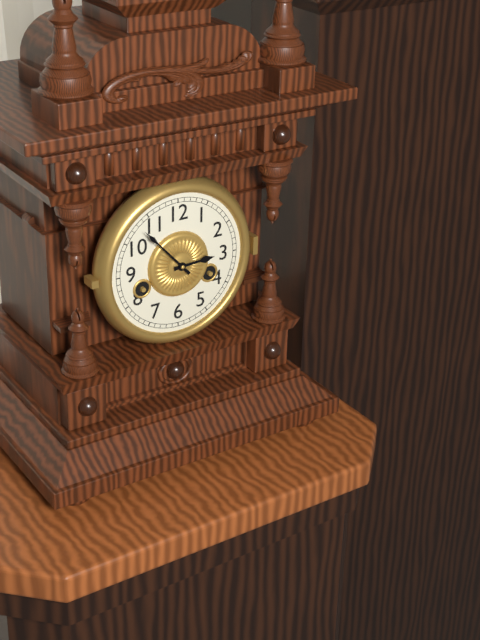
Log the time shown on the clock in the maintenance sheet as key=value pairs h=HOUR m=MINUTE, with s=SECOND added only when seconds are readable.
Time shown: h=2 m=53
